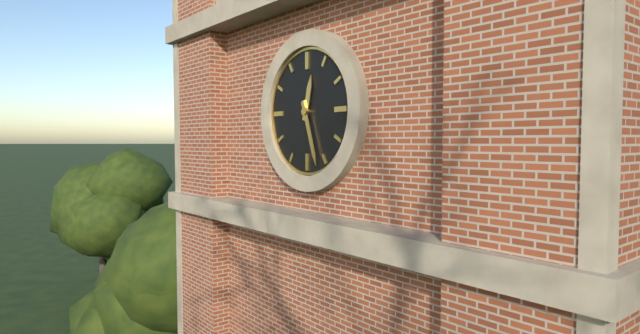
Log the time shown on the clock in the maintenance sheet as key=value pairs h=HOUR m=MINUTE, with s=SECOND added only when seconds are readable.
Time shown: h=12 m=27
